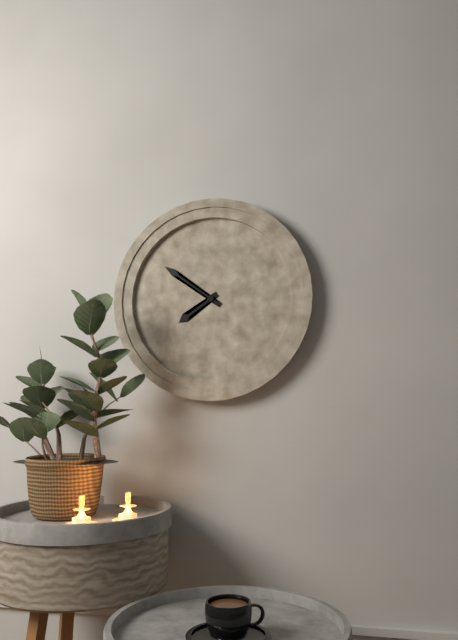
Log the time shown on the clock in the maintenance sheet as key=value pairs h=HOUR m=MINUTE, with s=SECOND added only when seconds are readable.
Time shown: h=7 m=51
